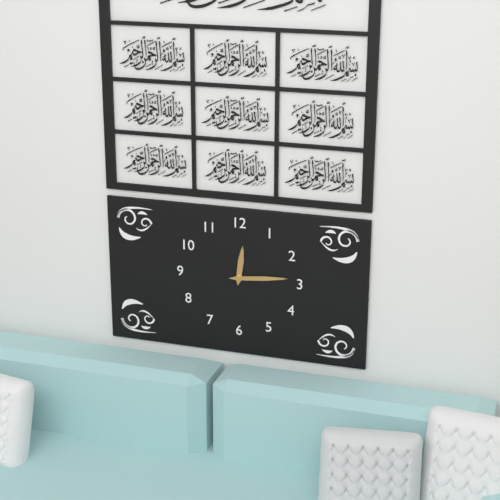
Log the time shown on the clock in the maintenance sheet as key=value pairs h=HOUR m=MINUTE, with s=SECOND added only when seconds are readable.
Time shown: h=12 m=14
